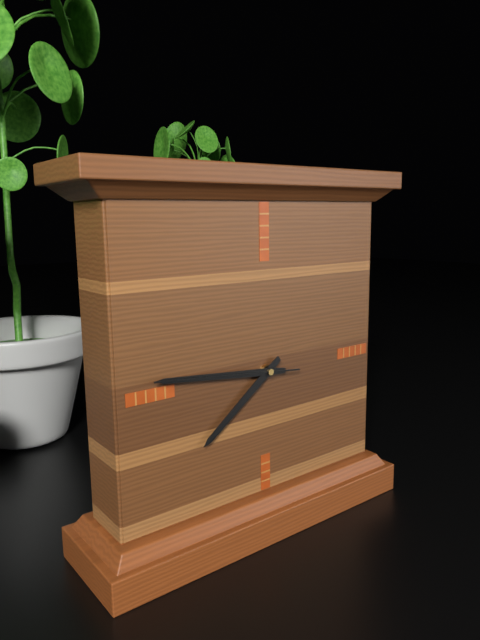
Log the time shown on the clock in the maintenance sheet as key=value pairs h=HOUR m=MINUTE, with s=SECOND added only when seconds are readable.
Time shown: h=7 m=46 s=46
